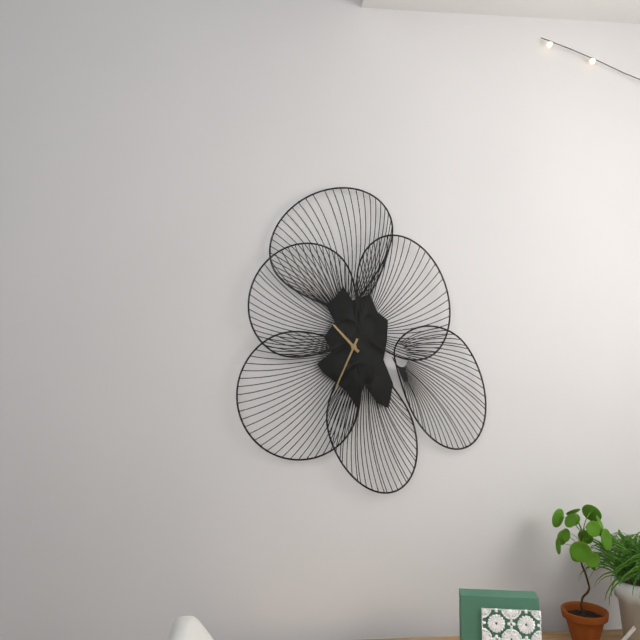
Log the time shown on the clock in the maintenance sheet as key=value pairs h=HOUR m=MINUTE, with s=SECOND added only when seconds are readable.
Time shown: h=10 m=34
